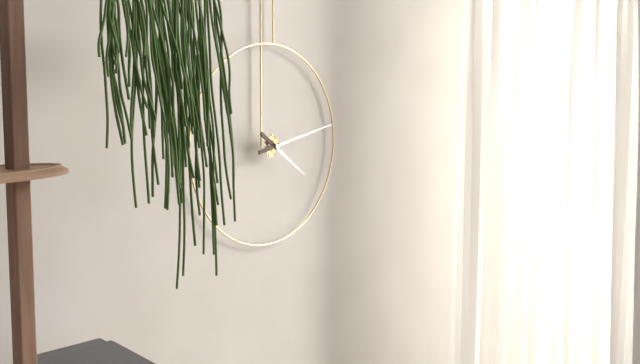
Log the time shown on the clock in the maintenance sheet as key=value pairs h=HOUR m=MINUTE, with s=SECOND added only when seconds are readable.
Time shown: h=4 m=13
